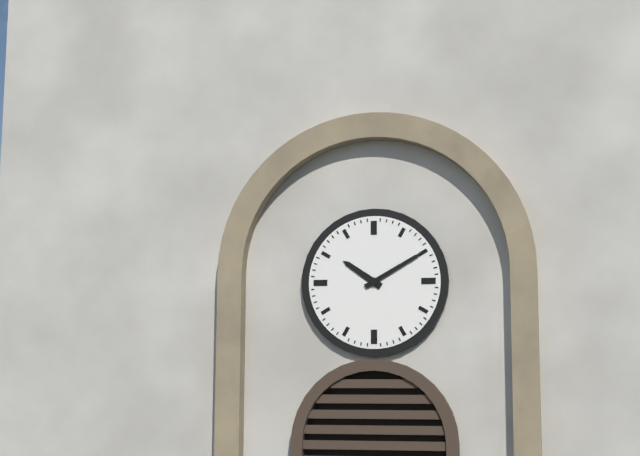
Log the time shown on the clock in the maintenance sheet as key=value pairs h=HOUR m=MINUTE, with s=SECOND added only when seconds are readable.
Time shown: h=10 m=10
